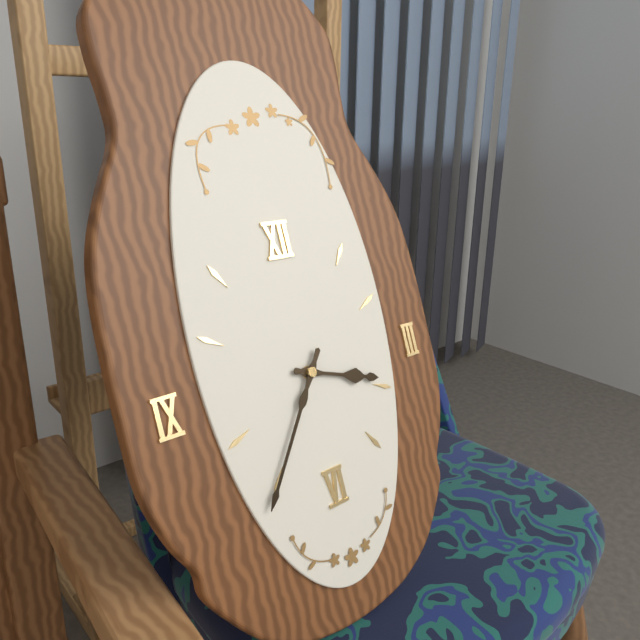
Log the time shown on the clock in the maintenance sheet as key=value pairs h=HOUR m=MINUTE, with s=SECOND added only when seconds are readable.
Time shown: h=3 m=36
